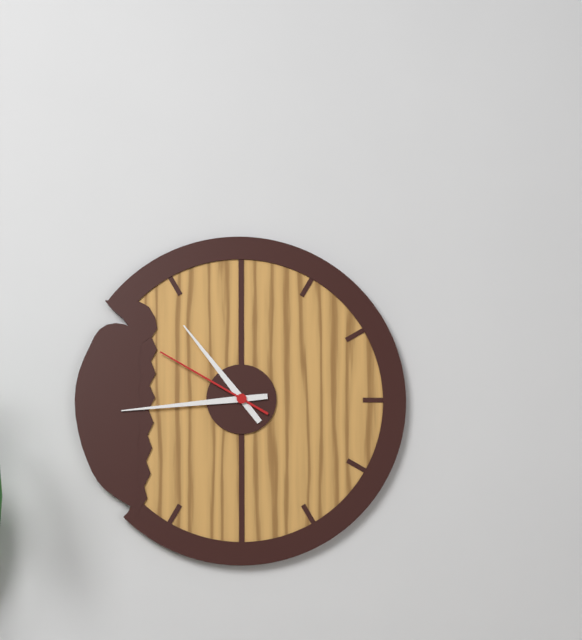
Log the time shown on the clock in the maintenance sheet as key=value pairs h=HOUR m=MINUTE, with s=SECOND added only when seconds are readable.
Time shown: h=10 m=44 s=50
